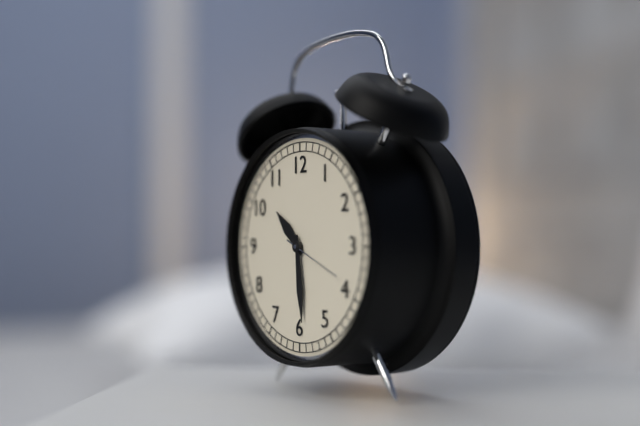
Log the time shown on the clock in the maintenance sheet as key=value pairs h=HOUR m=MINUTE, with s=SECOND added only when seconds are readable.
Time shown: h=10 m=29 s=19
